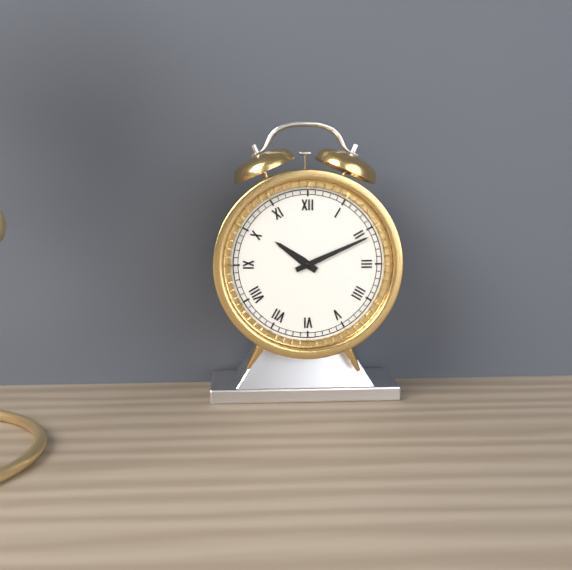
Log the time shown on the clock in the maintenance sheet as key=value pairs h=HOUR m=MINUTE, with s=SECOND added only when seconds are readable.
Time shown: h=10 m=11
